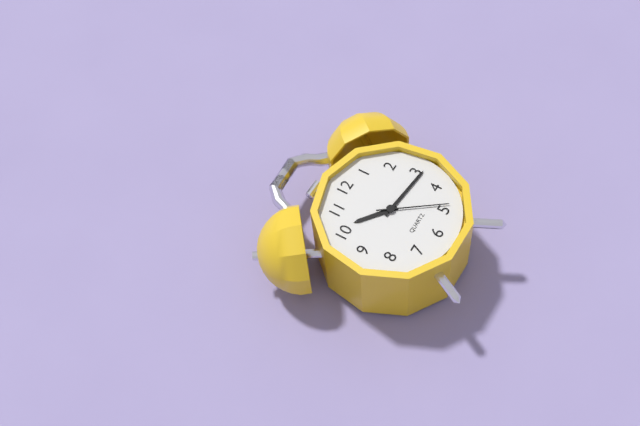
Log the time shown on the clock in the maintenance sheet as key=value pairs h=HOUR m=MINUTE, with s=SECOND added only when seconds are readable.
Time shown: h=10 m=16 s=24
